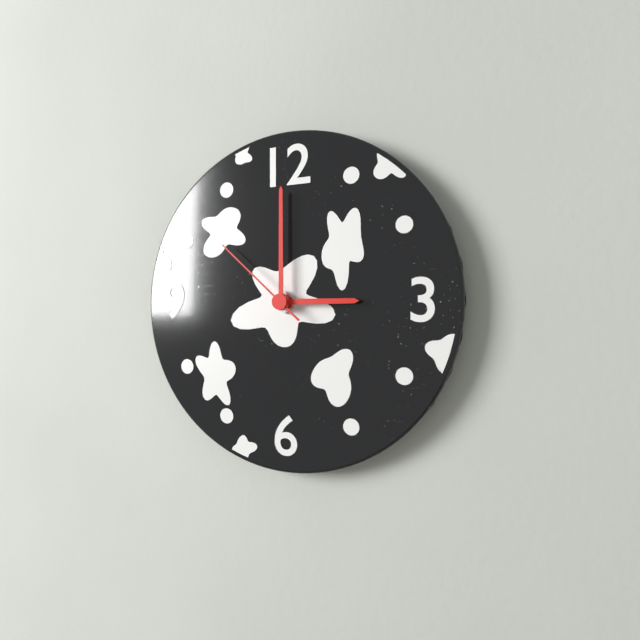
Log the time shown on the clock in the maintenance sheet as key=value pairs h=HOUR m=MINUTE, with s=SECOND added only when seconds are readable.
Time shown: h=3 m=0 s=52
